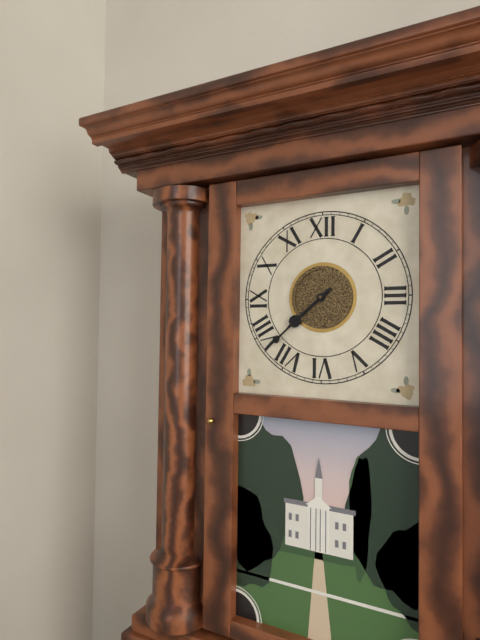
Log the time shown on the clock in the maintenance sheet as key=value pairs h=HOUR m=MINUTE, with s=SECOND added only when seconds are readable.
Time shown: h=7 m=38
